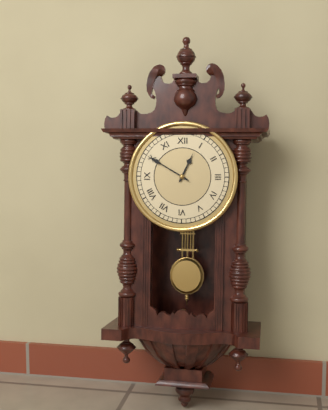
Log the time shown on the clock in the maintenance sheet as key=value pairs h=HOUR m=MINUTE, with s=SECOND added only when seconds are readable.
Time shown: h=12 m=50
